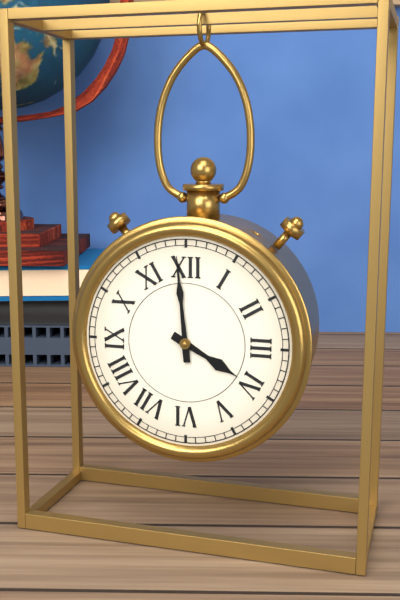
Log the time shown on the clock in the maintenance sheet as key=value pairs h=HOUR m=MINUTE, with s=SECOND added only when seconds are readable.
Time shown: h=3 m=59
